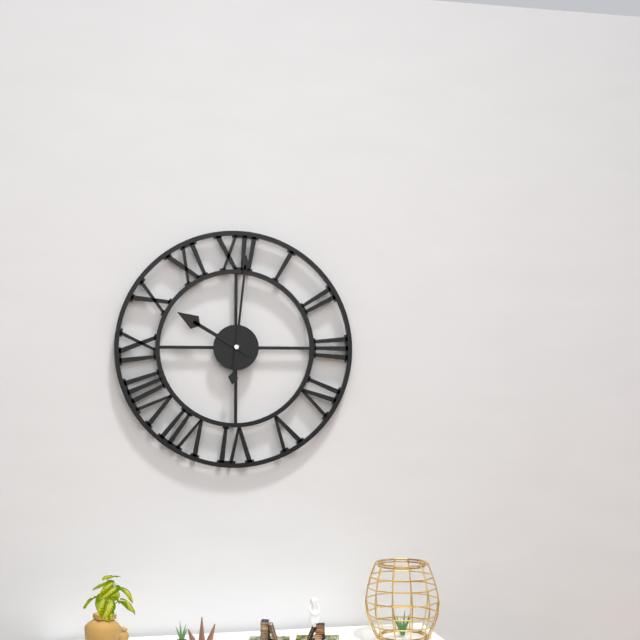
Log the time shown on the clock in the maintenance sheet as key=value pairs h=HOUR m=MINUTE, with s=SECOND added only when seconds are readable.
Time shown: h=10 m=1
